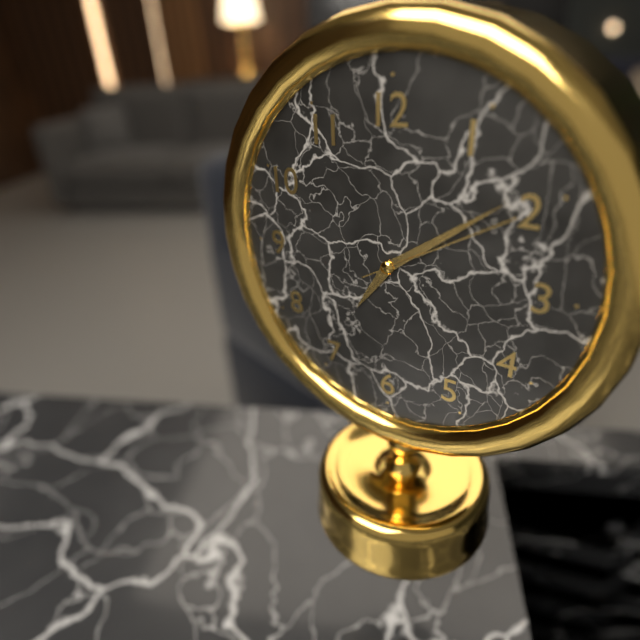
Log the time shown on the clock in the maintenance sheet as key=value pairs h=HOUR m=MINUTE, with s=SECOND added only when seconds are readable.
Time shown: h=7 m=9 s=10
